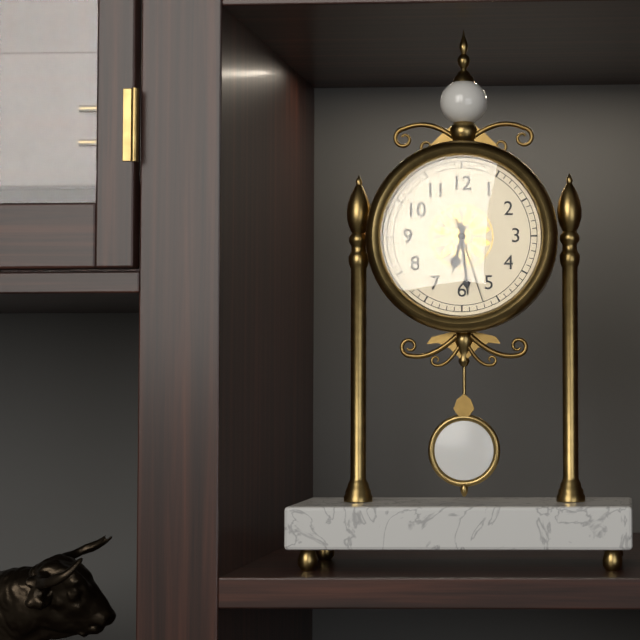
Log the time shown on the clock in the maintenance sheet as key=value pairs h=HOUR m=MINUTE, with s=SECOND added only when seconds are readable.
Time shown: h=6 m=29 s=27
